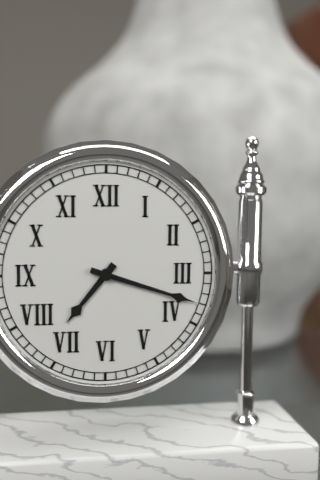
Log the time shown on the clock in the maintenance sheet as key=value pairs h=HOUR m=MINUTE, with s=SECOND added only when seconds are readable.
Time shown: h=7 m=18
